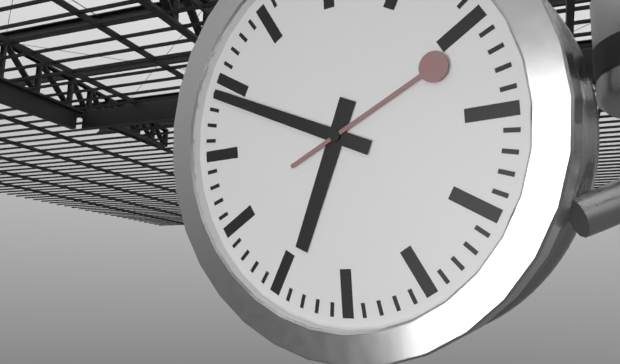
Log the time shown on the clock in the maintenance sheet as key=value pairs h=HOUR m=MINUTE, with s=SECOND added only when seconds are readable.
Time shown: h=6 m=49 s=11
